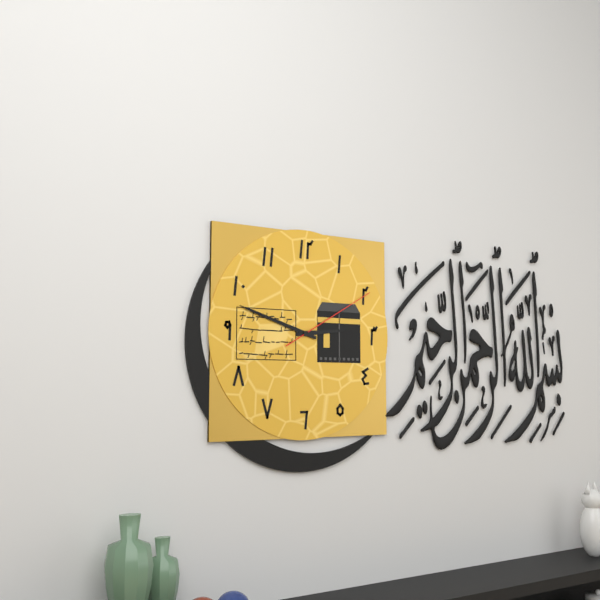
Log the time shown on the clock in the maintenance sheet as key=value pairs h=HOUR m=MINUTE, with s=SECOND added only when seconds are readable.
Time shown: h=2 m=48 s=10
